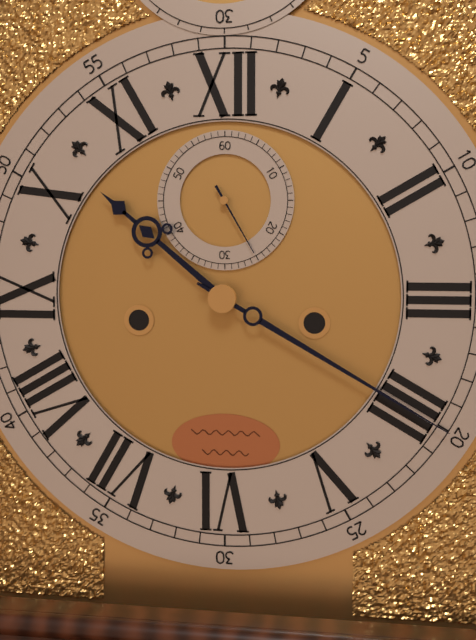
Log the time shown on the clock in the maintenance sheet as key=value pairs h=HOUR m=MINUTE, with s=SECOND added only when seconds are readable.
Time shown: h=10 m=20 s=25
